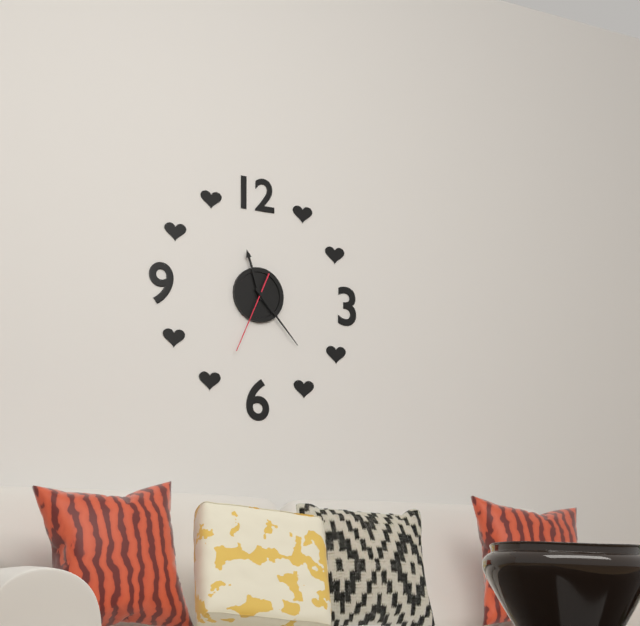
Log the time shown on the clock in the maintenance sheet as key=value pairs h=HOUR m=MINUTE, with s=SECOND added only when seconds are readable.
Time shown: h=11 m=23 s=34
